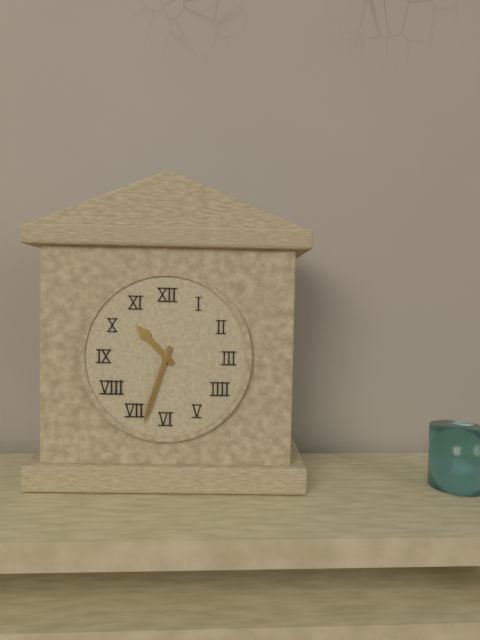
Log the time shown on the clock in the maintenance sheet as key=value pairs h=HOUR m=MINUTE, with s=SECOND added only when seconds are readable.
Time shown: h=10 m=33
